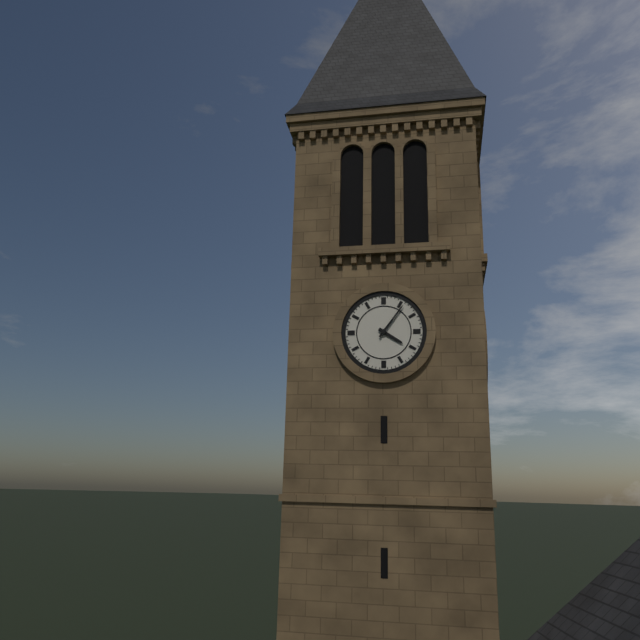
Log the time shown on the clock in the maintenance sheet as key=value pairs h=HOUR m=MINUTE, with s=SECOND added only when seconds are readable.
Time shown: h=4 m=6
